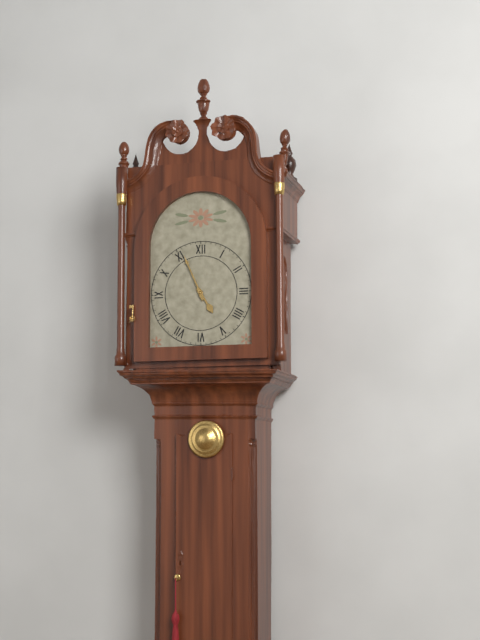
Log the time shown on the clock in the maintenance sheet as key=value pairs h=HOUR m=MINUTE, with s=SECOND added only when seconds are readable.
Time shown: h=4 m=56
